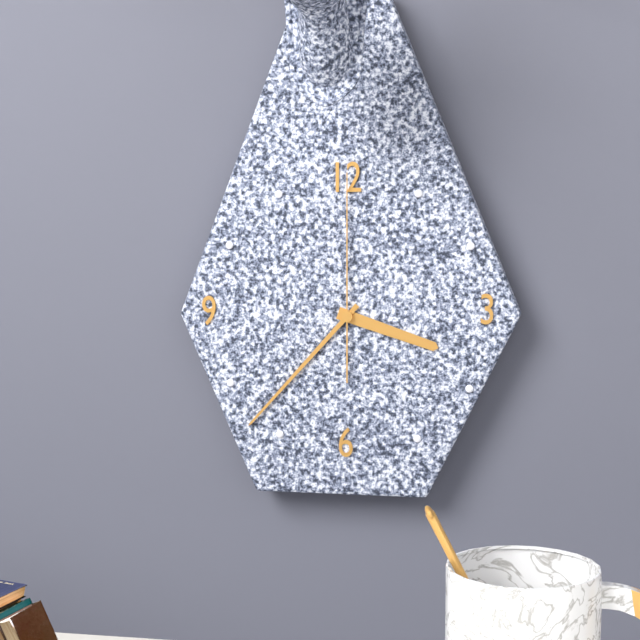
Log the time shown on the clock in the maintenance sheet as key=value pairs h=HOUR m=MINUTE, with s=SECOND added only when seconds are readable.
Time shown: h=3 m=37 s=0
